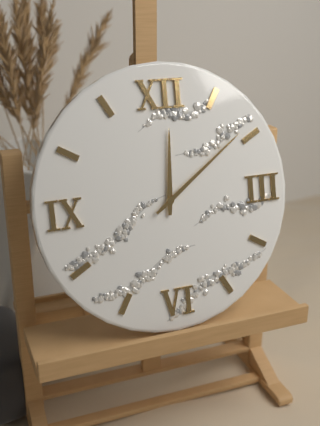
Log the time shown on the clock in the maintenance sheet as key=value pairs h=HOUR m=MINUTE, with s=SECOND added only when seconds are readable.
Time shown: h=12 m=9
